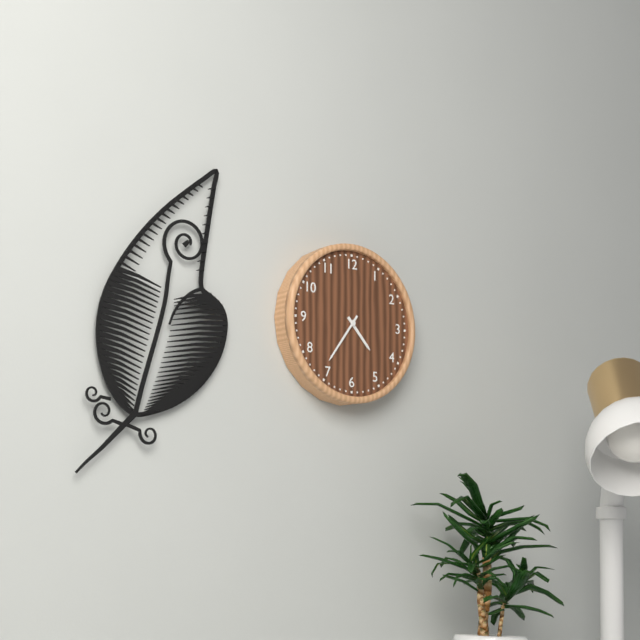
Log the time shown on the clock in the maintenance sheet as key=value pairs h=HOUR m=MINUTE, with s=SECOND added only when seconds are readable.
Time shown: h=4 m=36
